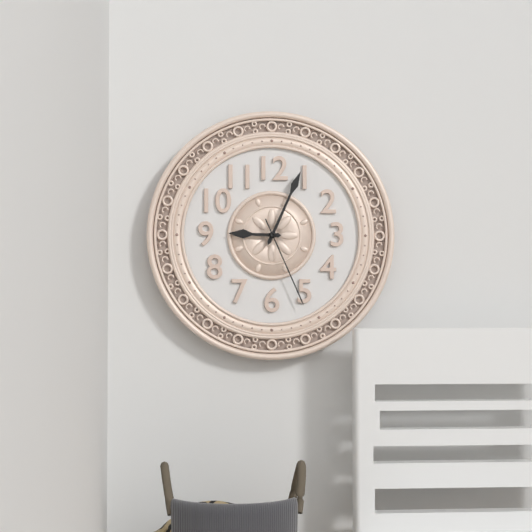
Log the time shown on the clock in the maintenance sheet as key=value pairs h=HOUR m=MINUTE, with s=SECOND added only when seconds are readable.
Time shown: h=9 m=4 s=26
